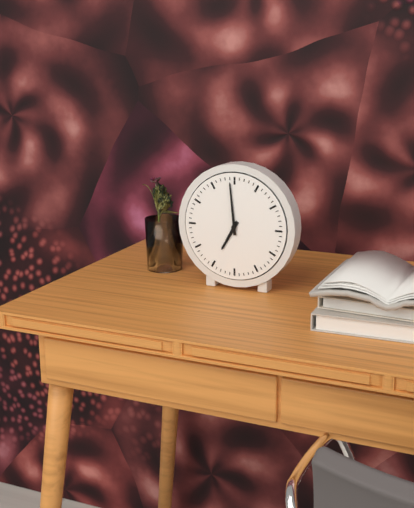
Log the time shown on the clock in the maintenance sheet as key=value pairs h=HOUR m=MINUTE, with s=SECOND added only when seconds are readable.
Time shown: h=6 m=59
